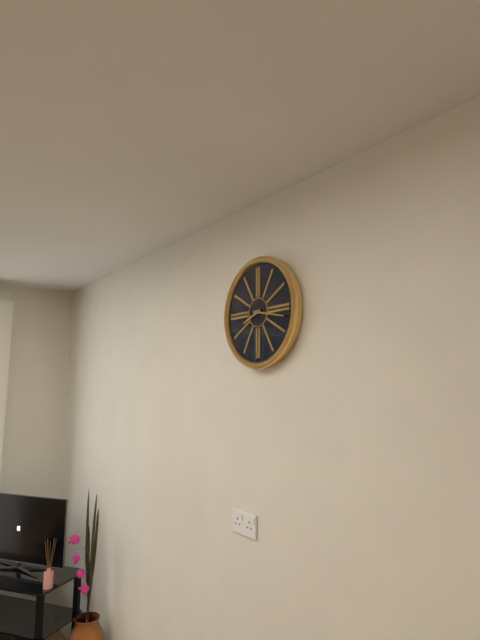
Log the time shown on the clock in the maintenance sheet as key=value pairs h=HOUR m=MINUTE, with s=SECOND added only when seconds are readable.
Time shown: h=8 m=17
